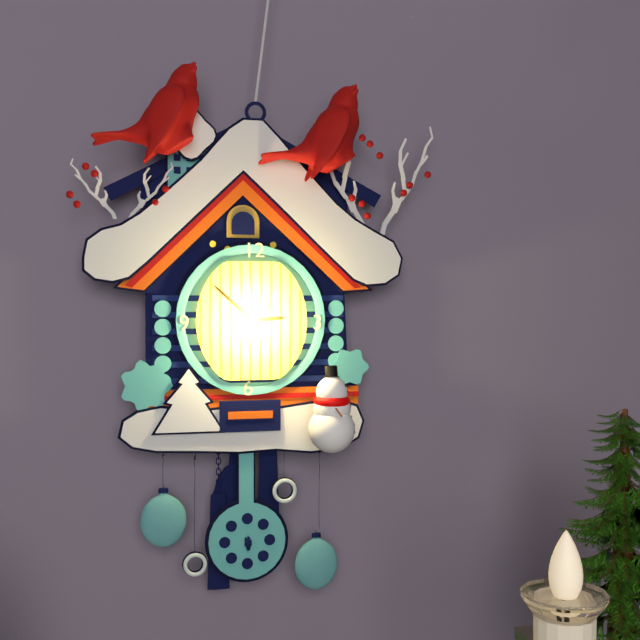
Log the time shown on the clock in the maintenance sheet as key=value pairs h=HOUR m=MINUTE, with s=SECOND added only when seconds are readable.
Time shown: h=2 m=52
